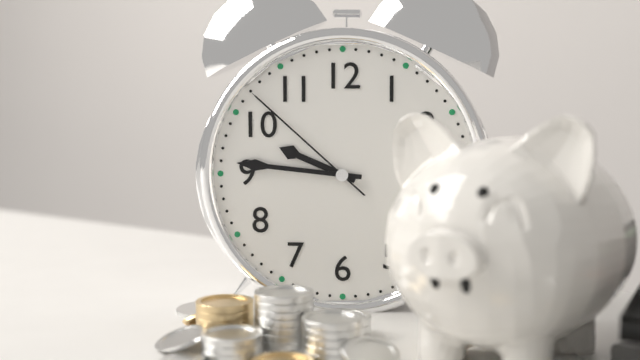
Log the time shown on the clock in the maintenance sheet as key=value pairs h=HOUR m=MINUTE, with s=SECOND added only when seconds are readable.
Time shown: h=9 m=46 s=52
